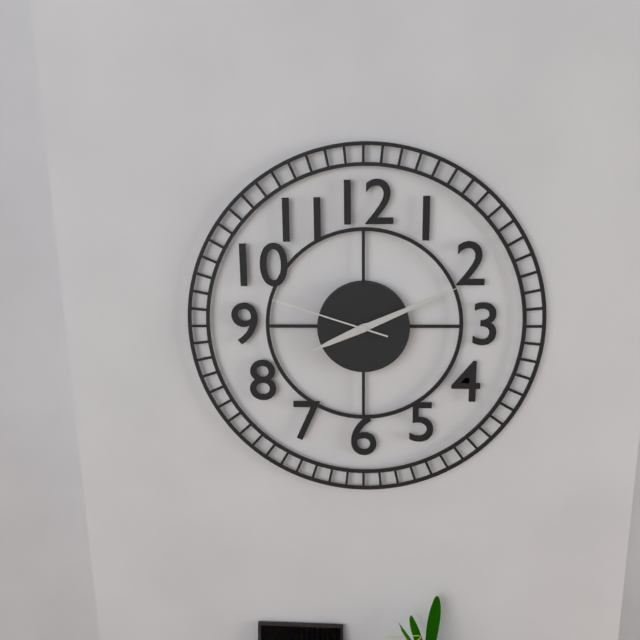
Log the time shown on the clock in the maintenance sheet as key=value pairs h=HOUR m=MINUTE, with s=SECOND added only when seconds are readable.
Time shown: h=8 m=11 s=48
